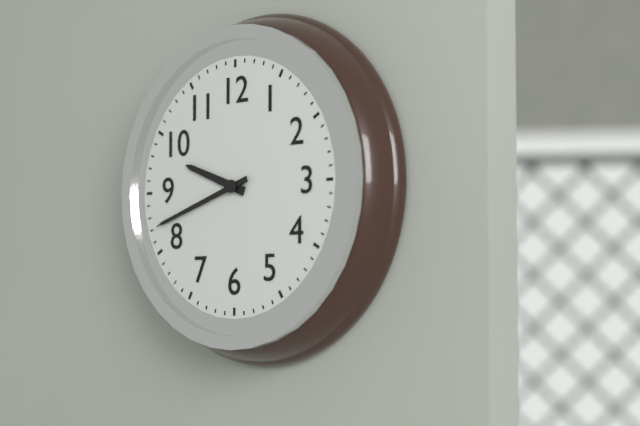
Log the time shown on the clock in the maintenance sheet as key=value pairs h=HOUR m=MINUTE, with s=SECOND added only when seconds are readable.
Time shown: h=9 m=42
